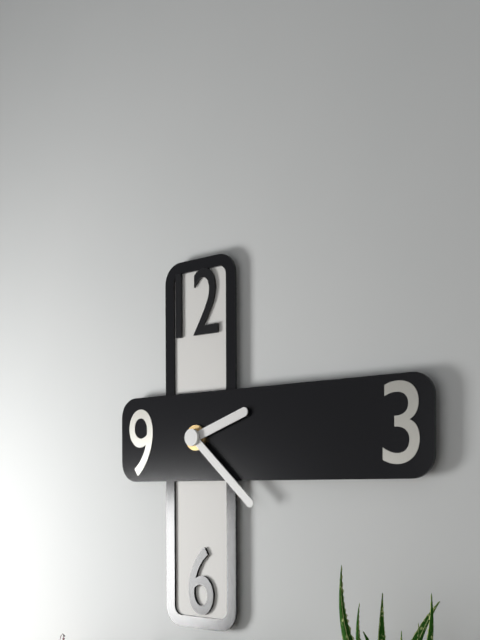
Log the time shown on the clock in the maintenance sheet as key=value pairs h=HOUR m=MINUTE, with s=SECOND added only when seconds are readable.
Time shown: h=2 m=22
